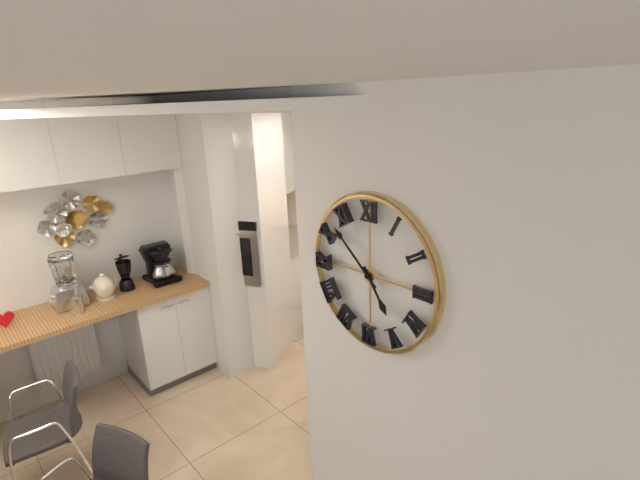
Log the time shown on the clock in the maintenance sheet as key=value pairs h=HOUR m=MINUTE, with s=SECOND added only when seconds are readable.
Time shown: h=4 m=52
